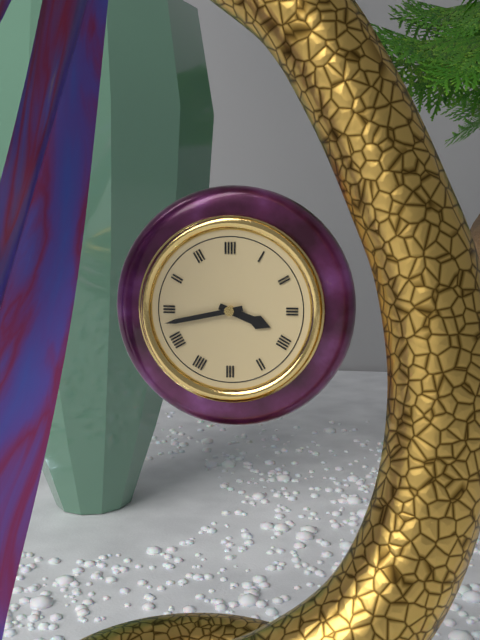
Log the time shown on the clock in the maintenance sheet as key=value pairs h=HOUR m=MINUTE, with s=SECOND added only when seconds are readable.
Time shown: h=3 m=43
